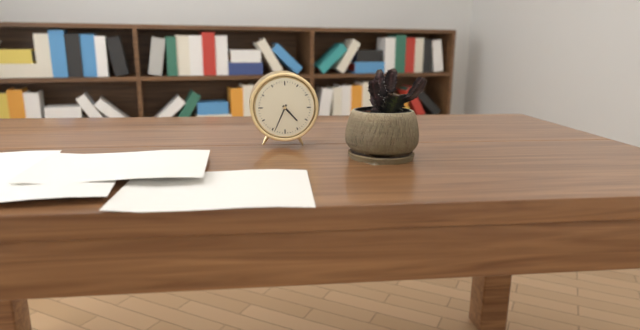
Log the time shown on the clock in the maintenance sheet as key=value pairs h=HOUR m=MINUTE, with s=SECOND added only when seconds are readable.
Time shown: h=4 m=34
